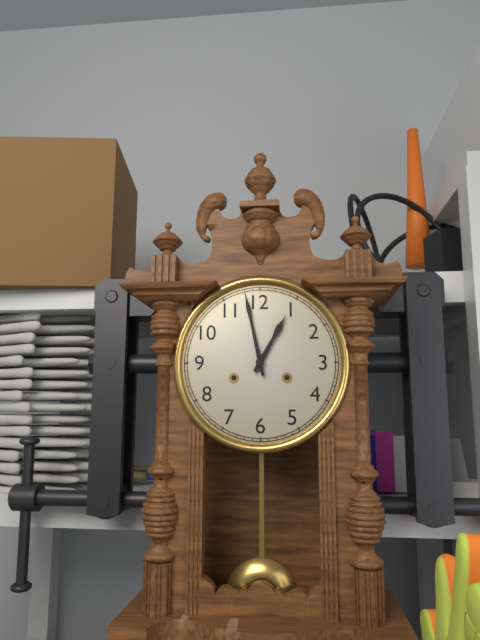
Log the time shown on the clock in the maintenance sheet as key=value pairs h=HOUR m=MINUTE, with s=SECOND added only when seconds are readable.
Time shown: h=12 m=58
